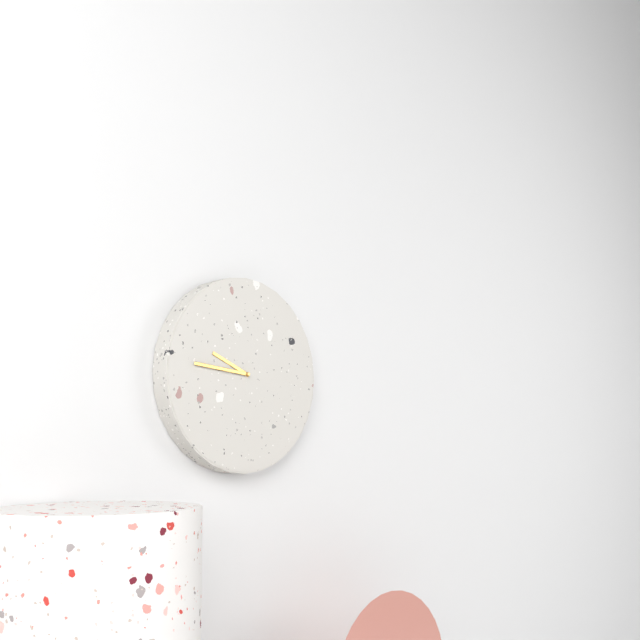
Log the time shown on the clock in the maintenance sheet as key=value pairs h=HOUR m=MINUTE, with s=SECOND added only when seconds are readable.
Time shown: h=9 m=46
